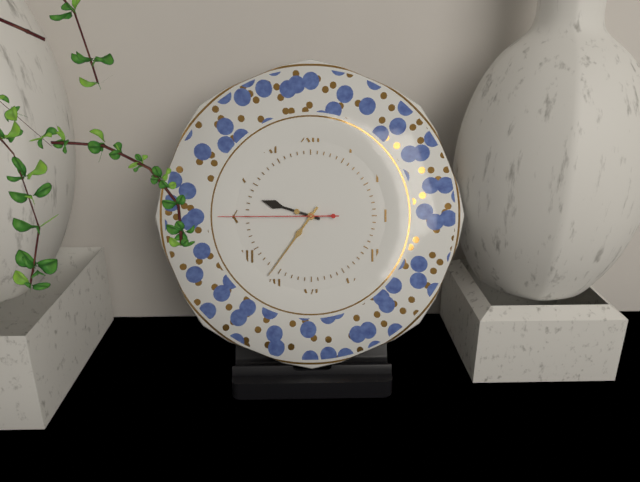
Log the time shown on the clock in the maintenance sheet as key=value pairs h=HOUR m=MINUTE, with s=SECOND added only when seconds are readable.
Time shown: h=9 m=36 s=45
